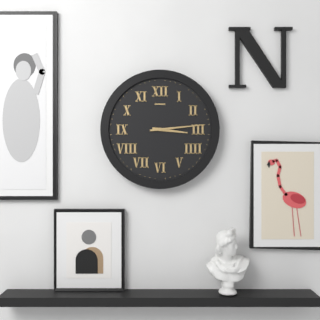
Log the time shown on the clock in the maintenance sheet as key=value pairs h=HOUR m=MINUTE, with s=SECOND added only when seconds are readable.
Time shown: h=3 m=14
